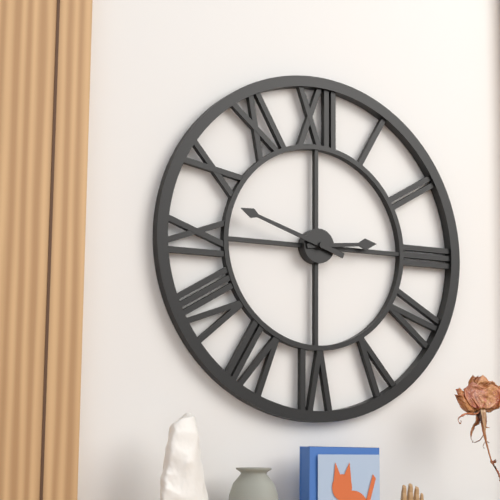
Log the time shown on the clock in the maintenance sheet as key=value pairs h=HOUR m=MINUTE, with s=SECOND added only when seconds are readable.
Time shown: h=2 m=48
